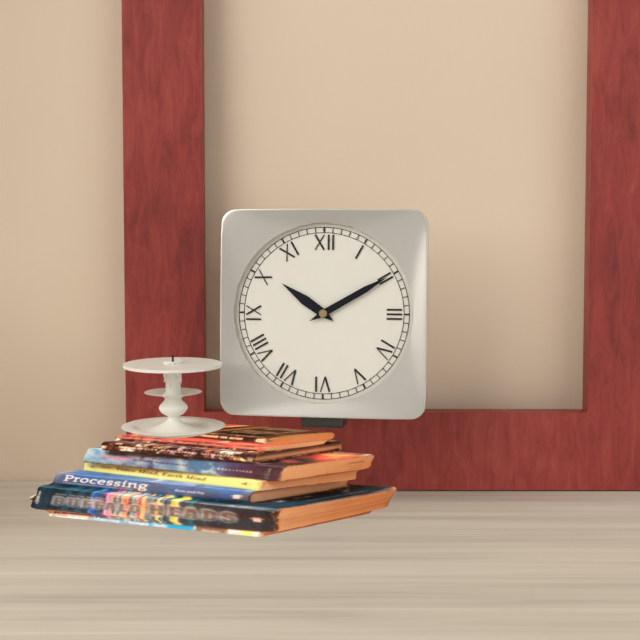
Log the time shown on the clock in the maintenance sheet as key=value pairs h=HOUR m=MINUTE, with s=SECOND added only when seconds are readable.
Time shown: h=10 m=10
